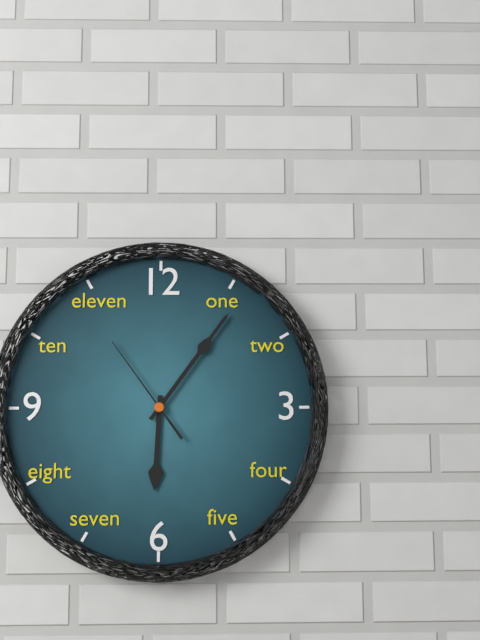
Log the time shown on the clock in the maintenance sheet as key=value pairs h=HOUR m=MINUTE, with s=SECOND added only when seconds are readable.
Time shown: h=6 m=6 s=54
